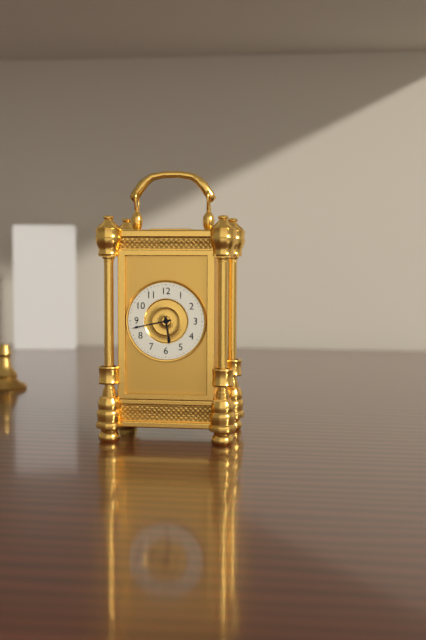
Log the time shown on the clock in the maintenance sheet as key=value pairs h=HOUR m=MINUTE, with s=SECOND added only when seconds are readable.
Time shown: h=5 m=43
